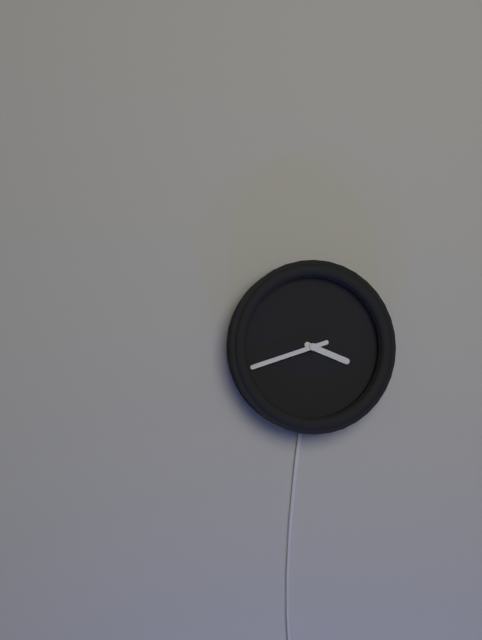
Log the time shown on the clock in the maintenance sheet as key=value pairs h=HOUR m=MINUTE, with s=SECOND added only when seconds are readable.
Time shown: h=3 m=42
